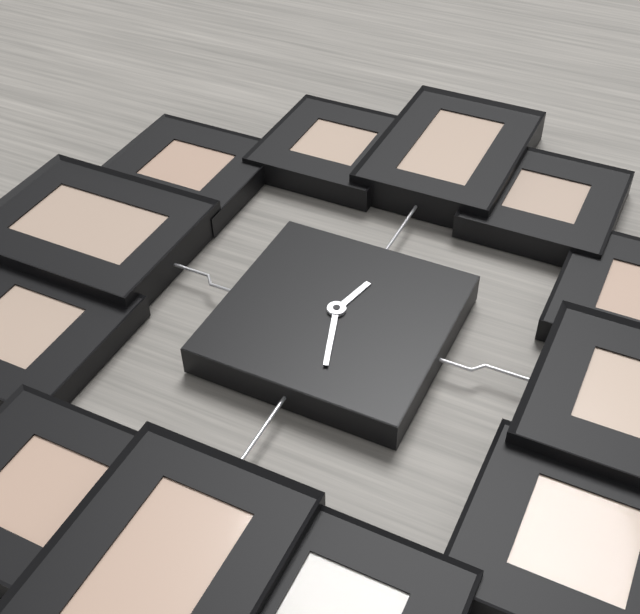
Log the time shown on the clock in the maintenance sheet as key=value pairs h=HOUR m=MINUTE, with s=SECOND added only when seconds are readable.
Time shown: h=12 m=27
